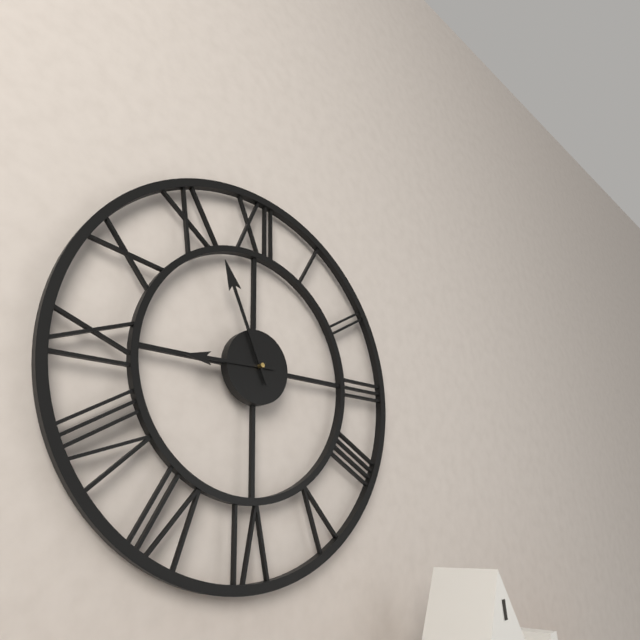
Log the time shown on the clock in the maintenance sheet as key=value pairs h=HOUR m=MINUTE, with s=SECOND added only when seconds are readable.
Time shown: h=8 m=56
